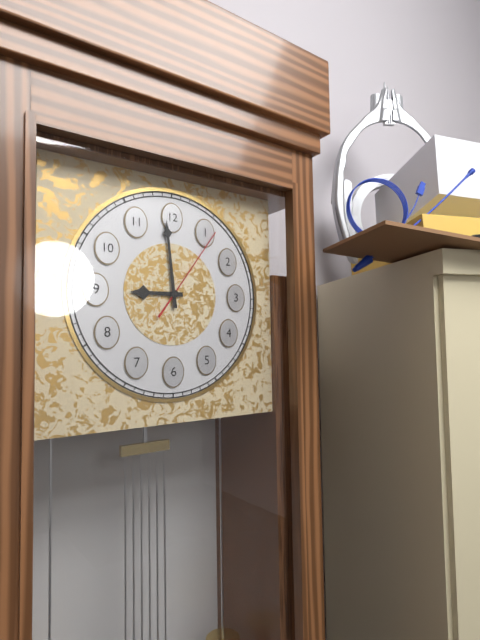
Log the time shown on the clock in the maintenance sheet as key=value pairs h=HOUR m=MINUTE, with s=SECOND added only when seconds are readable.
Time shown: h=8 m=59 s=6
